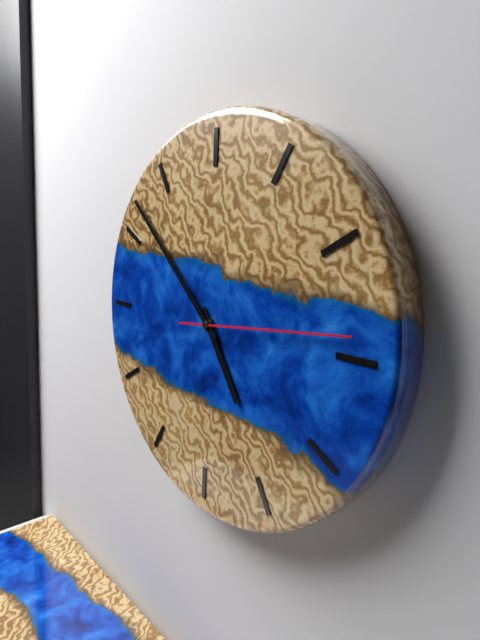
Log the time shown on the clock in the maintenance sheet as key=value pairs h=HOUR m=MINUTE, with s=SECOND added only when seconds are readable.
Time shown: h=4 m=52 s=14
